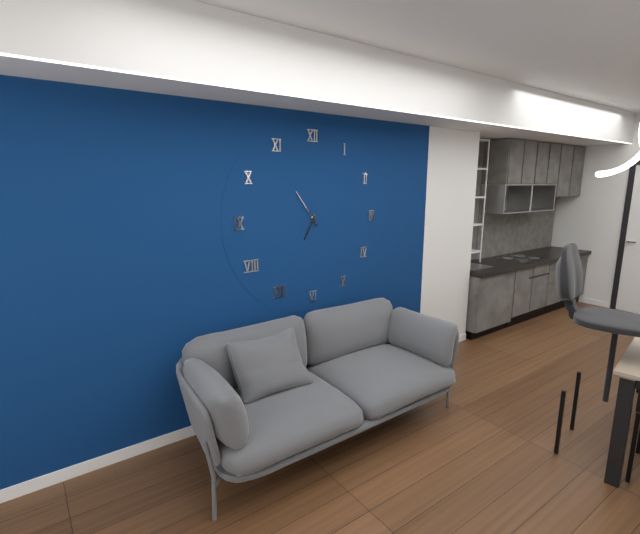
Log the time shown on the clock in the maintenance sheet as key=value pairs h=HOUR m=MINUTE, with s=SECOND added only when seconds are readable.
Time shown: h=6 m=54
